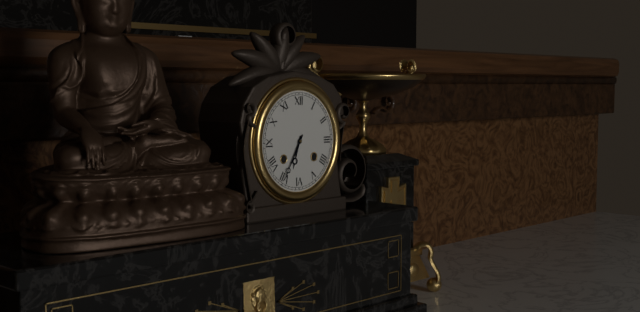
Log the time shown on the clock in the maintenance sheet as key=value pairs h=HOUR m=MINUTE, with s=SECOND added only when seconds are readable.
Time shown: h=6 m=35
